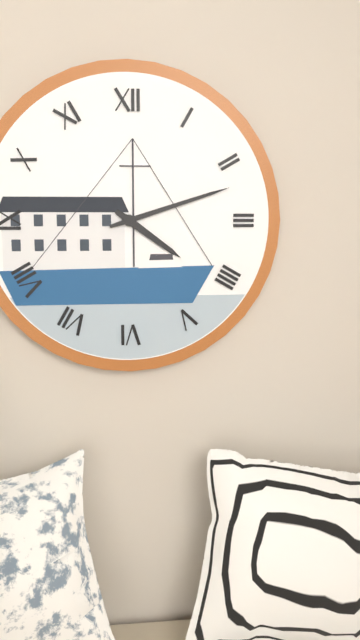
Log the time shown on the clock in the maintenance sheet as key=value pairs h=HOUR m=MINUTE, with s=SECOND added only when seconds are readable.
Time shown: h=4 m=12
